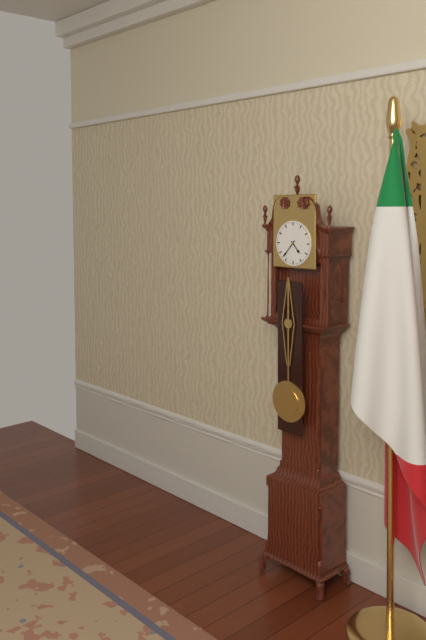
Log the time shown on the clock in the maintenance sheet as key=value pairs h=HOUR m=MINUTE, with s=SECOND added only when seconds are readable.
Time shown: h=4 m=37
